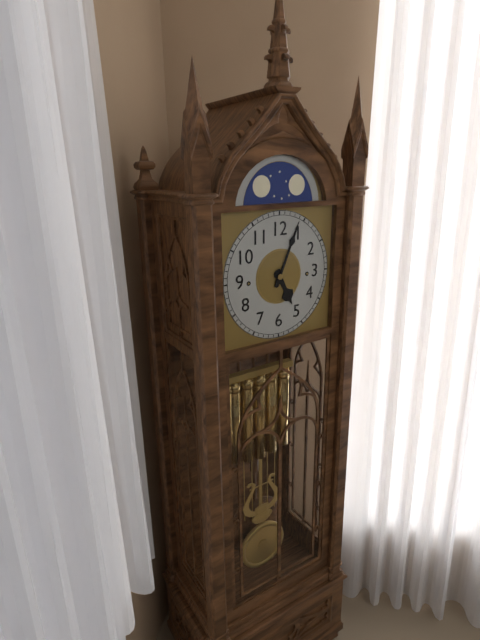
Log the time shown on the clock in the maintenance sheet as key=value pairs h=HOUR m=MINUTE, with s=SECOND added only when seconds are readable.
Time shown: h=5 m=4
